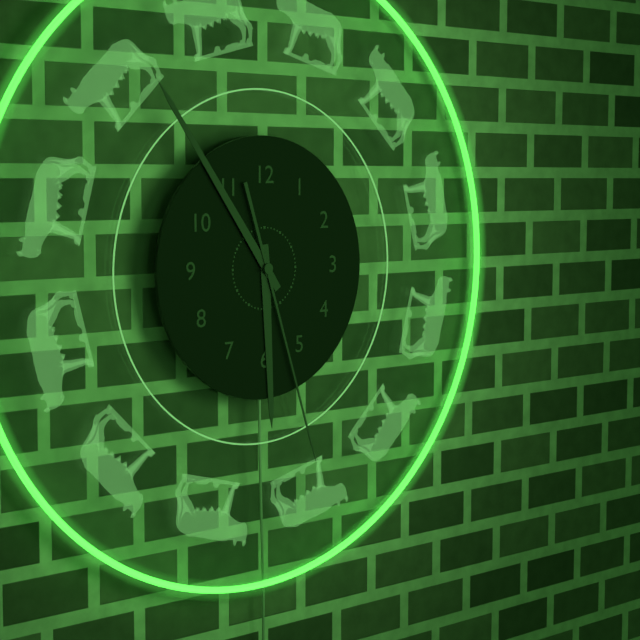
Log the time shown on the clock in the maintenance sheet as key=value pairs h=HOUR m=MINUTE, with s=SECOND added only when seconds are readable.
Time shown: h=5 m=54 s=27
